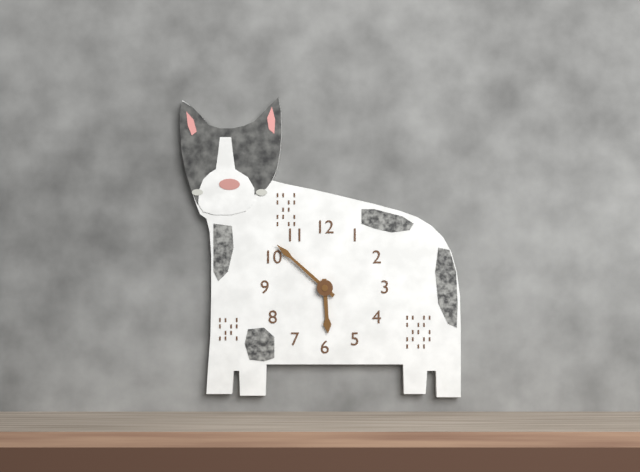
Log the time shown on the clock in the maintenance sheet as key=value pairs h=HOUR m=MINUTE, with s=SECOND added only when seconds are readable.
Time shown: h=5 m=52
